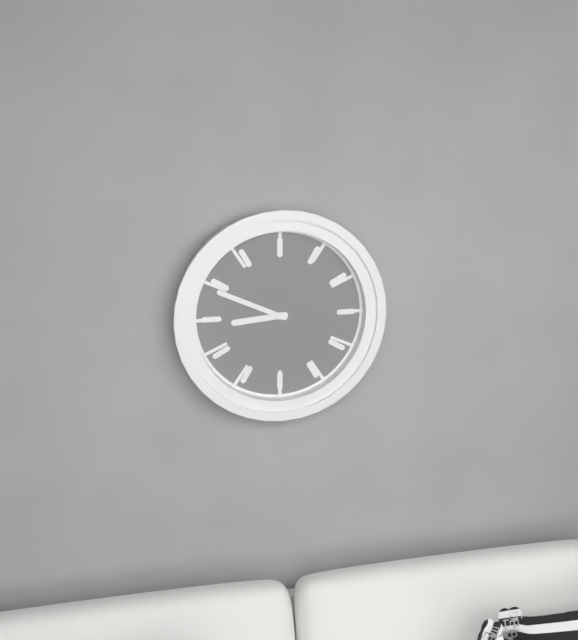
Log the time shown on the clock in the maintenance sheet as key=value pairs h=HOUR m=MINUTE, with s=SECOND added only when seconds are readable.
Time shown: h=8 m=49
